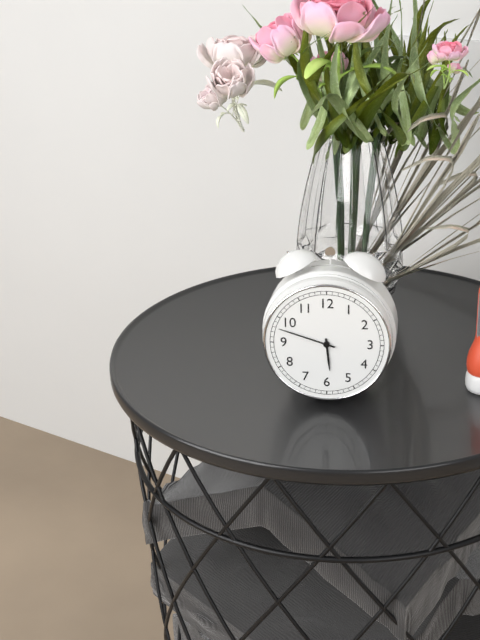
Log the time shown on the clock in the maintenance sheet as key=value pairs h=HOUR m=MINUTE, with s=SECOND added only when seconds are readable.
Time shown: h=5 m=48
